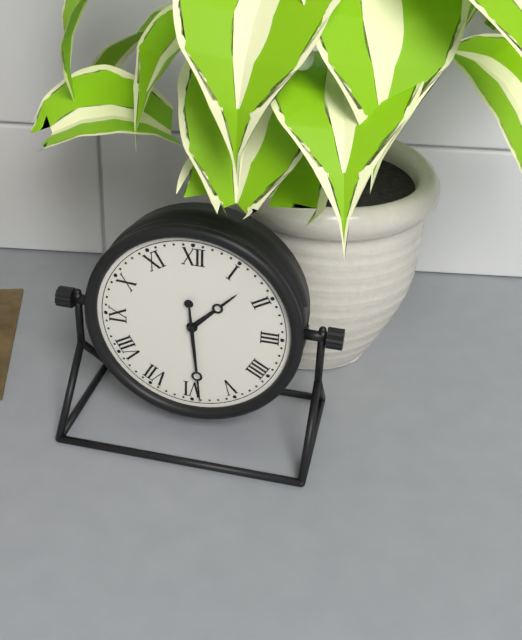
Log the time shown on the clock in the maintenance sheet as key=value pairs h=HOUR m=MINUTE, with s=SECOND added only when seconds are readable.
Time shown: h=1 m=29
